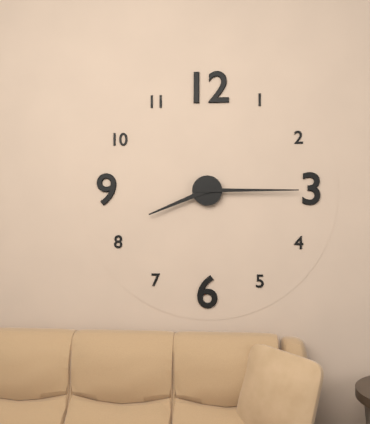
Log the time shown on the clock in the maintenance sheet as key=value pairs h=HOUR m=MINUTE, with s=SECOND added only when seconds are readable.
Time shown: h=8 m=15
